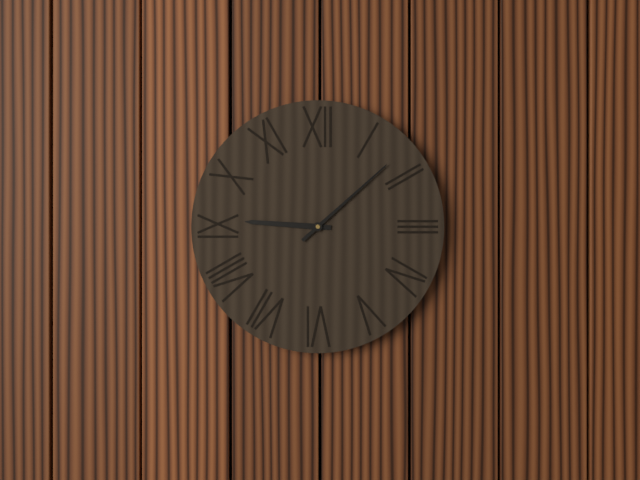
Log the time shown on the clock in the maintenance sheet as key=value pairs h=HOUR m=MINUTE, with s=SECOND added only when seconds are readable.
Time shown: h=9 m=8
